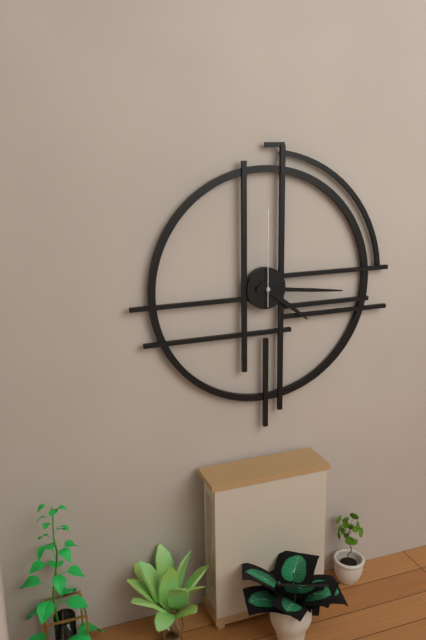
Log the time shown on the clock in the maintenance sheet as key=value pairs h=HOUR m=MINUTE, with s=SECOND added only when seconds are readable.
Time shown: h=4 m=16 s=0
